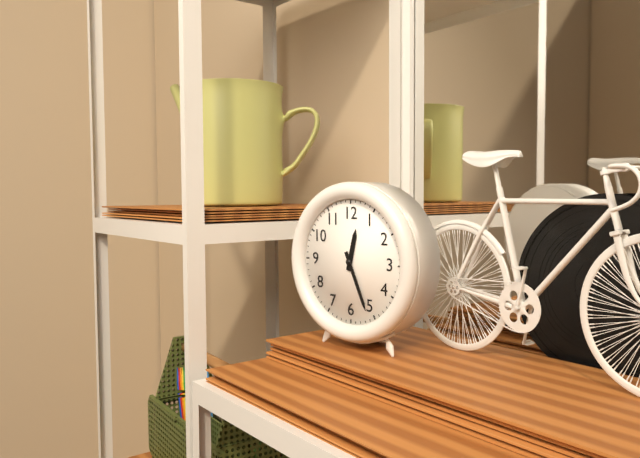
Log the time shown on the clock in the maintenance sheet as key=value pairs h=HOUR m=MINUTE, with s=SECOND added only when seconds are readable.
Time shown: h=12 m=26
